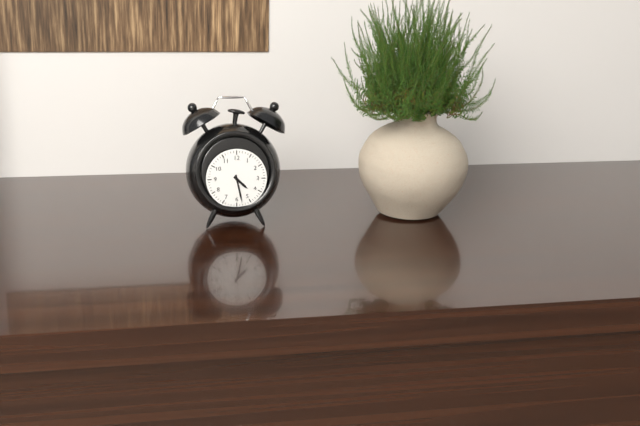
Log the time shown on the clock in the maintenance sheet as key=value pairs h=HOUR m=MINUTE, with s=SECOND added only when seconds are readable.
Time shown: h=4 m=28
